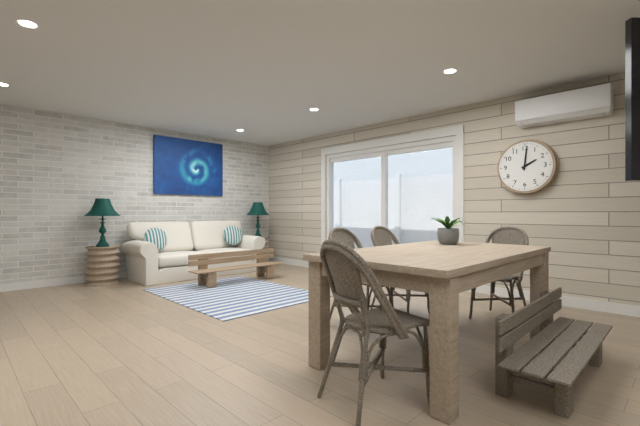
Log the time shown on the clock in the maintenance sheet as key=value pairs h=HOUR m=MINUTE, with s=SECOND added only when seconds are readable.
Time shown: h=2 m=1
